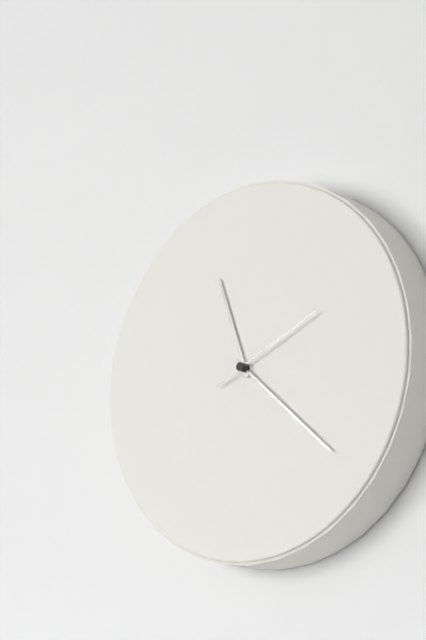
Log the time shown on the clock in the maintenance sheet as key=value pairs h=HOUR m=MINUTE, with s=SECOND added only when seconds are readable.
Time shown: h=11 m=22 s=11
